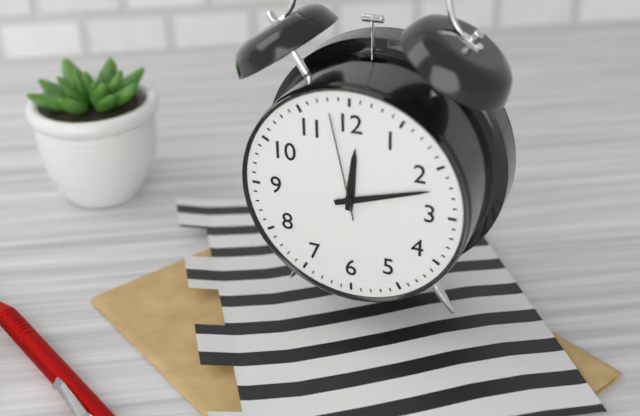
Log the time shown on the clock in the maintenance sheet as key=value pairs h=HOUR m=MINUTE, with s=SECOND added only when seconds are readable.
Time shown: h=12 m=12 s=58
